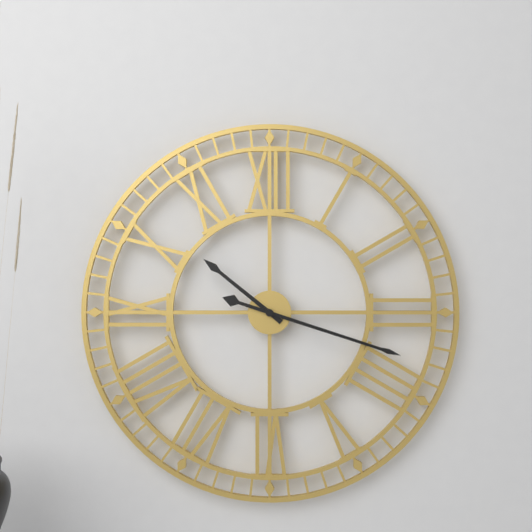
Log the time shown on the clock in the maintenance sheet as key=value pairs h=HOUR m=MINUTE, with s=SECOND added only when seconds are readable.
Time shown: h=10 m=18
